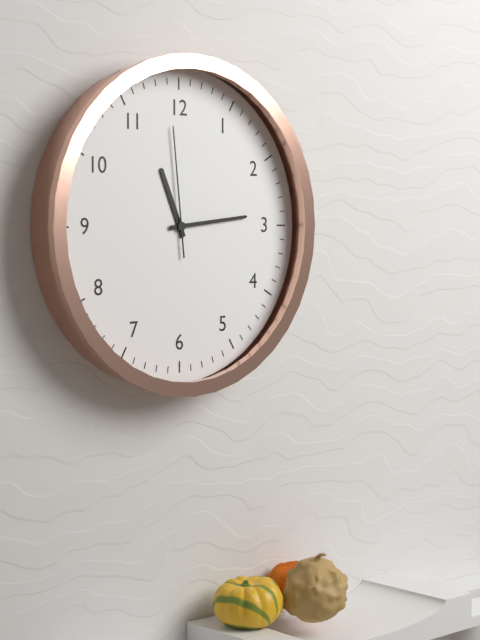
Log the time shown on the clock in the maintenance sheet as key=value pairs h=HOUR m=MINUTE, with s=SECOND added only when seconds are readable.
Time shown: h=11 m=14 s=59
